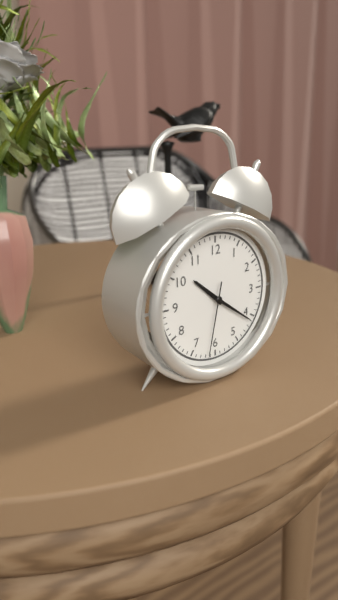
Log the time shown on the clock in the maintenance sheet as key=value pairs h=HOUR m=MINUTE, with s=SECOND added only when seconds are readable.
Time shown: h=10 m=21 s=32
